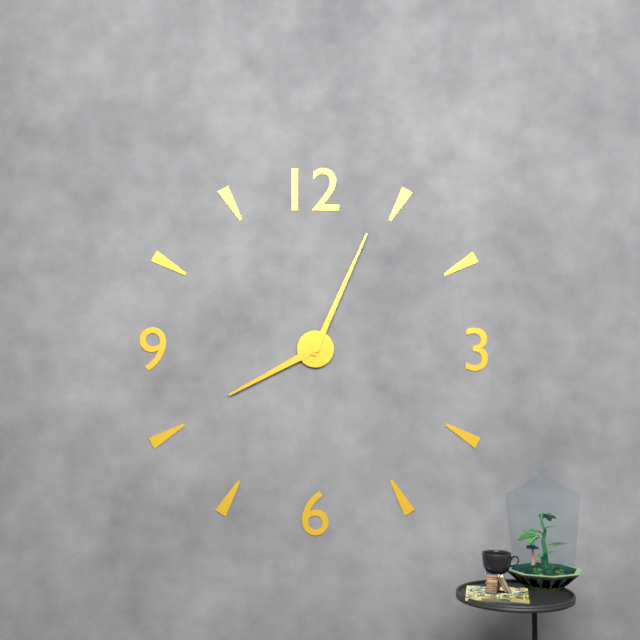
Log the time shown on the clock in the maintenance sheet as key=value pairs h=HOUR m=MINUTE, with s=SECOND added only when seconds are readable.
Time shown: h=8 m=4
